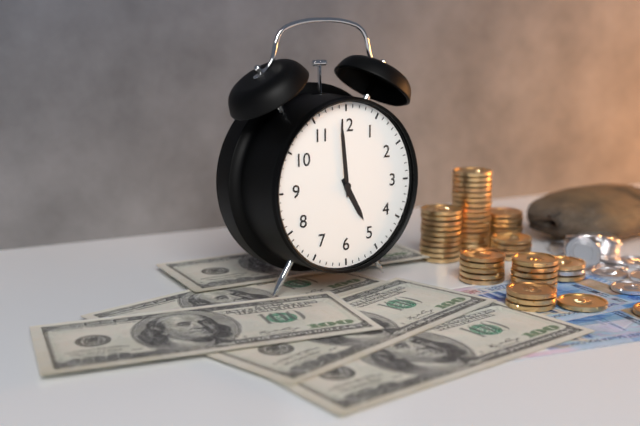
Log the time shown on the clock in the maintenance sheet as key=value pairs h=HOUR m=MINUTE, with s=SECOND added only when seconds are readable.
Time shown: h=4 m=59
